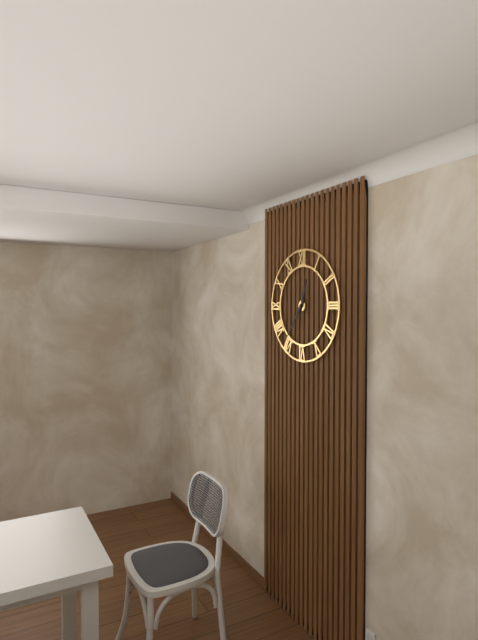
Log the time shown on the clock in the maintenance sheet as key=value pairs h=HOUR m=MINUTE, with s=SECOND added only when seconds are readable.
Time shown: h=12 m=36
